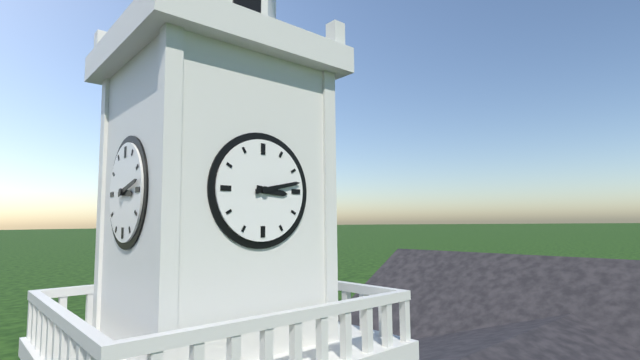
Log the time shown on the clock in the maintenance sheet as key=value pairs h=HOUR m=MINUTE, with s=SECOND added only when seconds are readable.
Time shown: h=3 m=13
